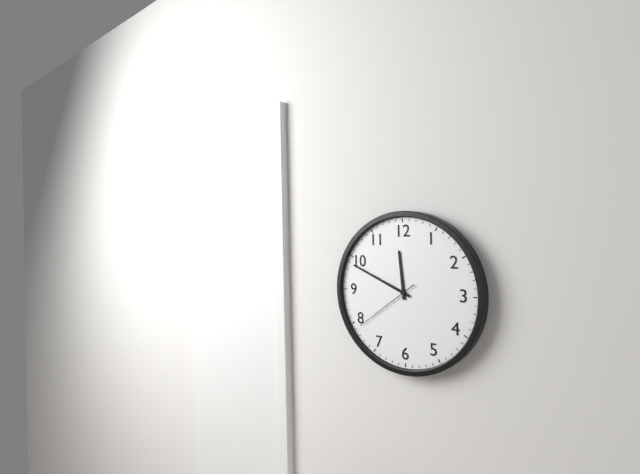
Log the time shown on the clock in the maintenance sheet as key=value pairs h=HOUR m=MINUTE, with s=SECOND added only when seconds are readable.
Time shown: h=11 m=49 s=39
